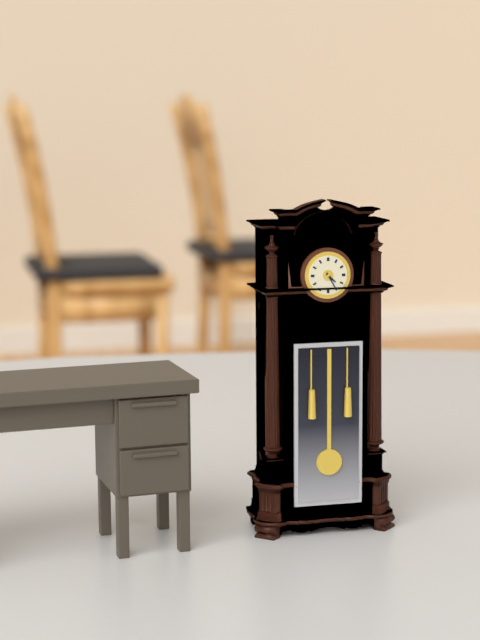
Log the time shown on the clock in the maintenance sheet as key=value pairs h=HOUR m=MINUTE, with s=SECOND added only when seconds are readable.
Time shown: h=4 m=25
